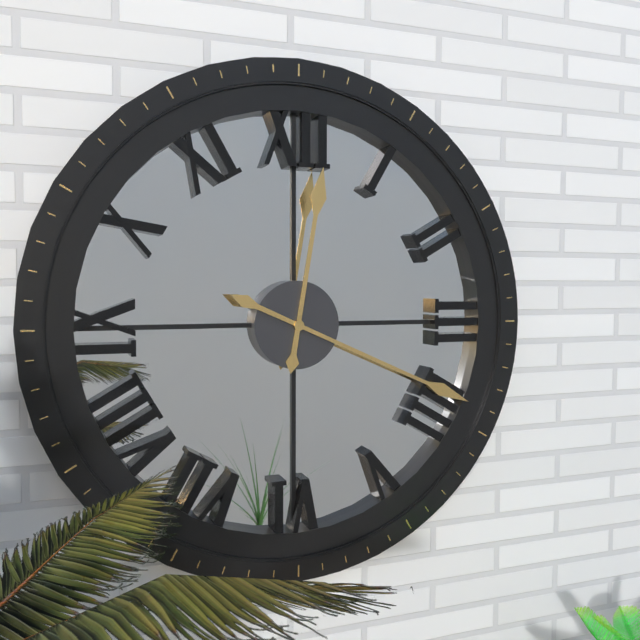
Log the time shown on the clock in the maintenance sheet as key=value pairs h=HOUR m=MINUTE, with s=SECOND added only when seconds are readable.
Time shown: h=12 m=19
